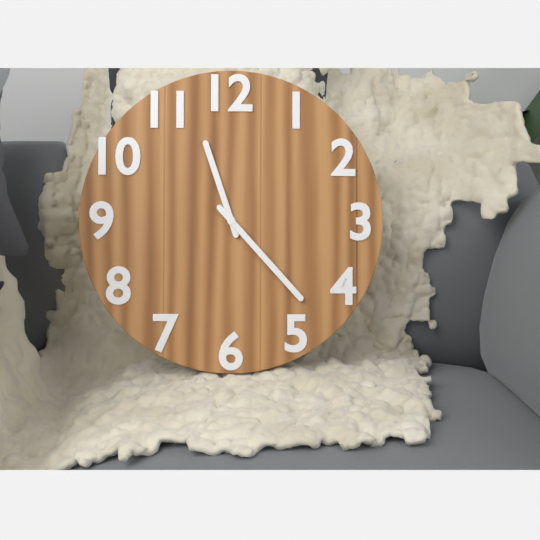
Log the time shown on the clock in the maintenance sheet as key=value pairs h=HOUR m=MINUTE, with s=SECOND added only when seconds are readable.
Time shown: h=11 m=23
